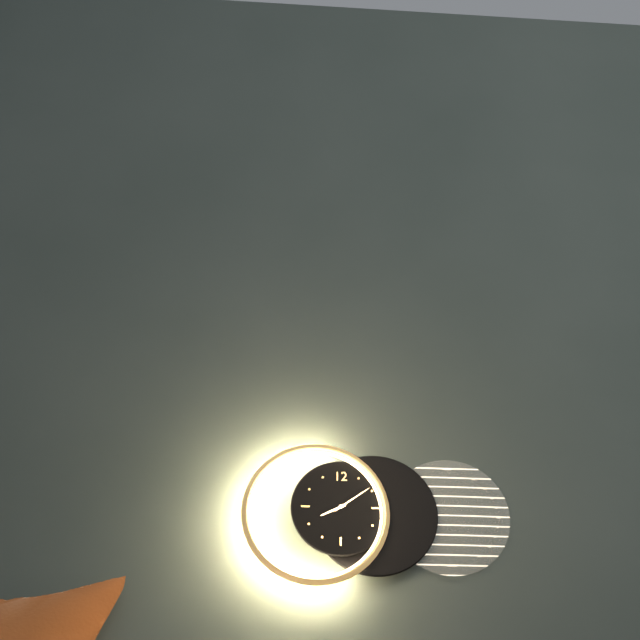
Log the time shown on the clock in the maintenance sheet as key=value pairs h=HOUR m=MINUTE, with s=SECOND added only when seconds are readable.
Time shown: h=8 m=9
